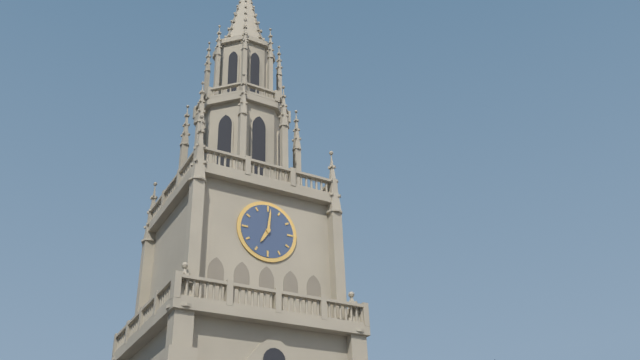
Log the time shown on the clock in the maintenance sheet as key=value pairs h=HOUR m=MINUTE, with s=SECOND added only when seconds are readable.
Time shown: h=7 m=1
